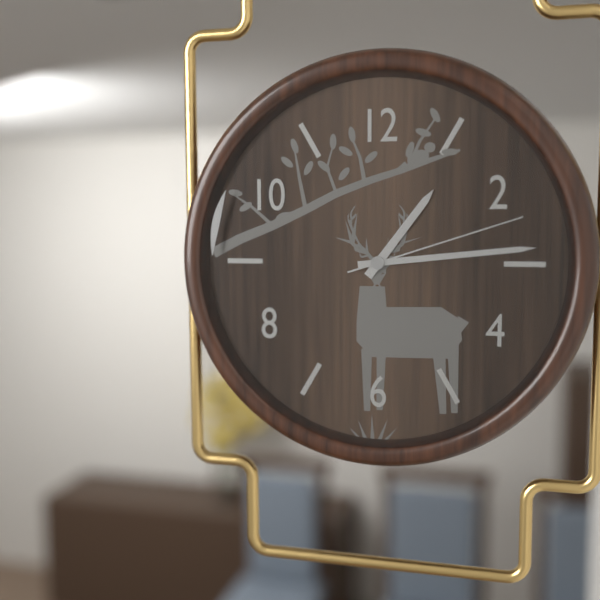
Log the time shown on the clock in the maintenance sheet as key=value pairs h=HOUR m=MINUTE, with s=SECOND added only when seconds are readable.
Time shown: h=1 m=14 s=12
